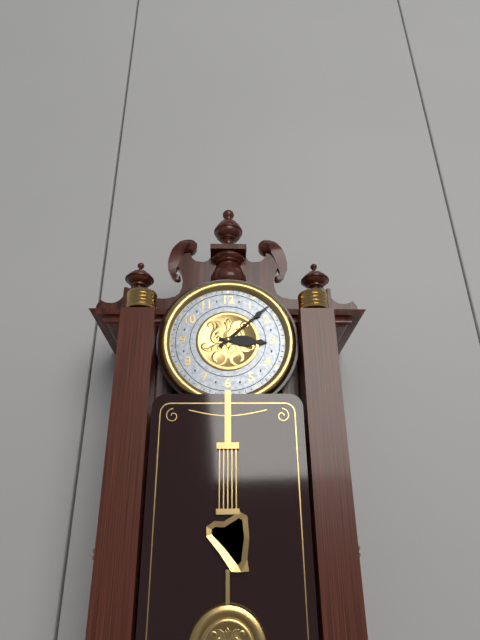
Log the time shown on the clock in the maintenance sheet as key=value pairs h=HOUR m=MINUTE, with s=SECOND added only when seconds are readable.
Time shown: h=3 m=8
